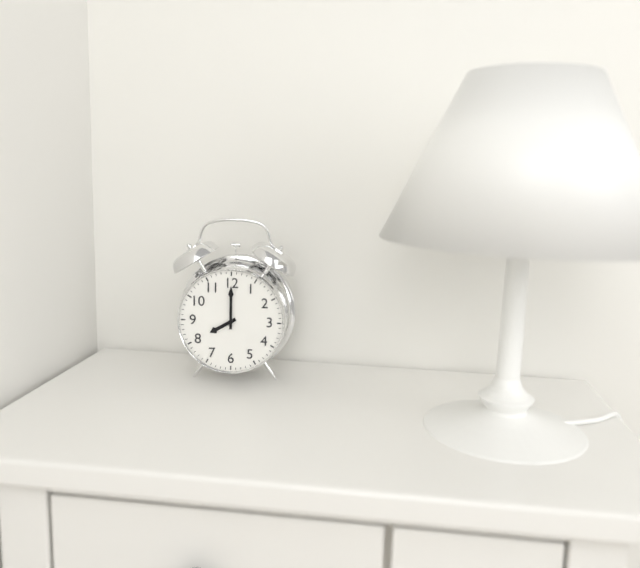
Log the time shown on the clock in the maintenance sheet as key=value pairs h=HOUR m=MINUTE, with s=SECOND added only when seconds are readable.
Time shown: h=8 m=0
